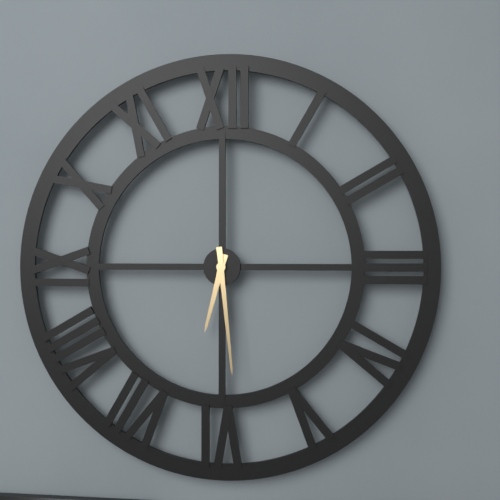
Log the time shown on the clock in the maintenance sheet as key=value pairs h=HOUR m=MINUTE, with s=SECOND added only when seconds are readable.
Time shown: h=6 m=29
